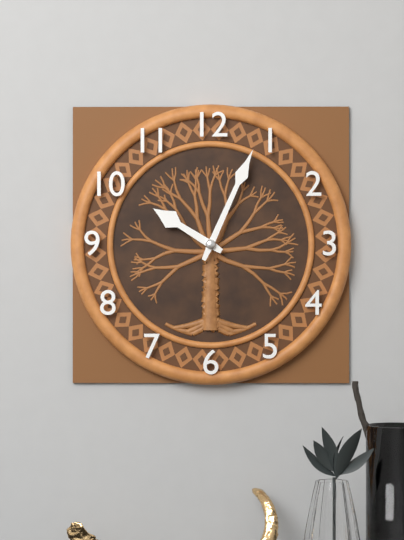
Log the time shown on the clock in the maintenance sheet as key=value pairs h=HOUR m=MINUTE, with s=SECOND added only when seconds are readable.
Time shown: h=10 m=4
